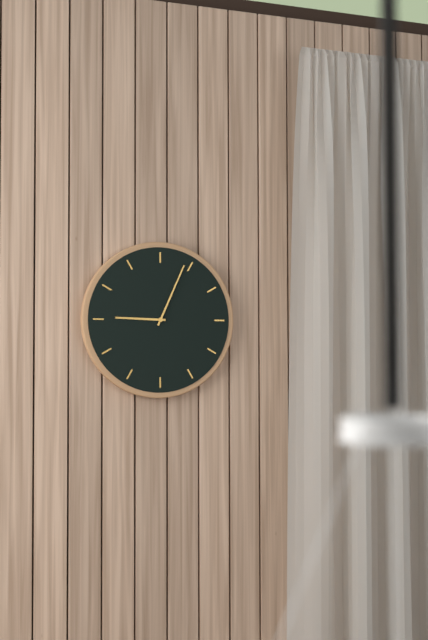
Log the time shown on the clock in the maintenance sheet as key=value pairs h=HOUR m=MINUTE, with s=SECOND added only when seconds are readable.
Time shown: h=9 m=4
